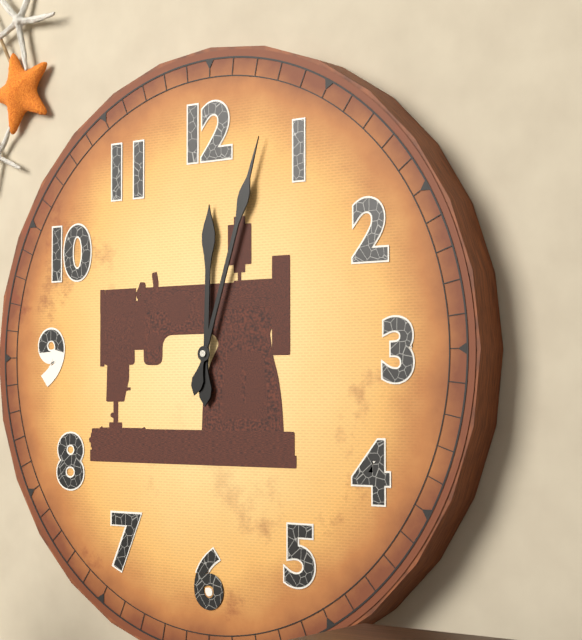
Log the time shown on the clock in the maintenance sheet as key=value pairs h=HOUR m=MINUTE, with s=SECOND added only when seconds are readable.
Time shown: h=12 m=3
